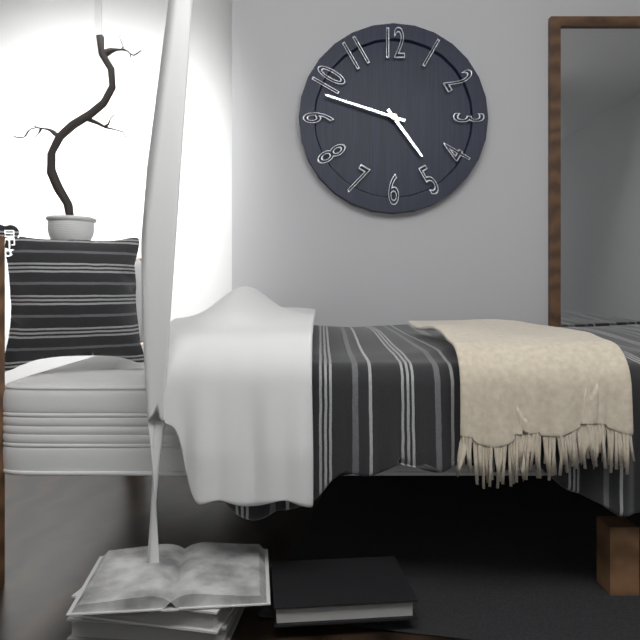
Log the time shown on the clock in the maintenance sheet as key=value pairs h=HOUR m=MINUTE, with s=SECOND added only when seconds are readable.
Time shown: h=4 m=48
